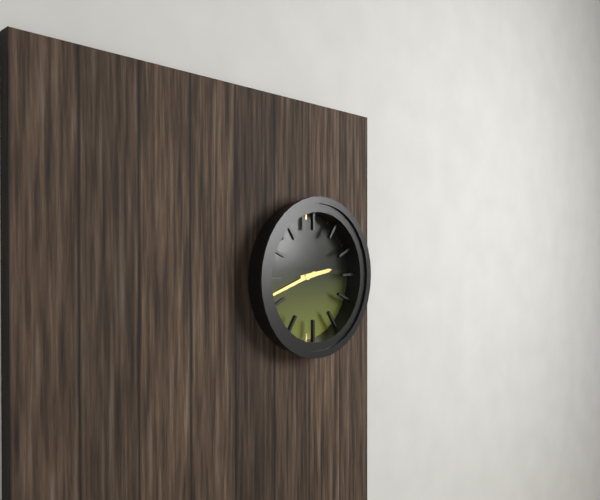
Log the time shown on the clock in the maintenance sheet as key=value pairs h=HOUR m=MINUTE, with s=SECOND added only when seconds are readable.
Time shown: h=2 m=42
